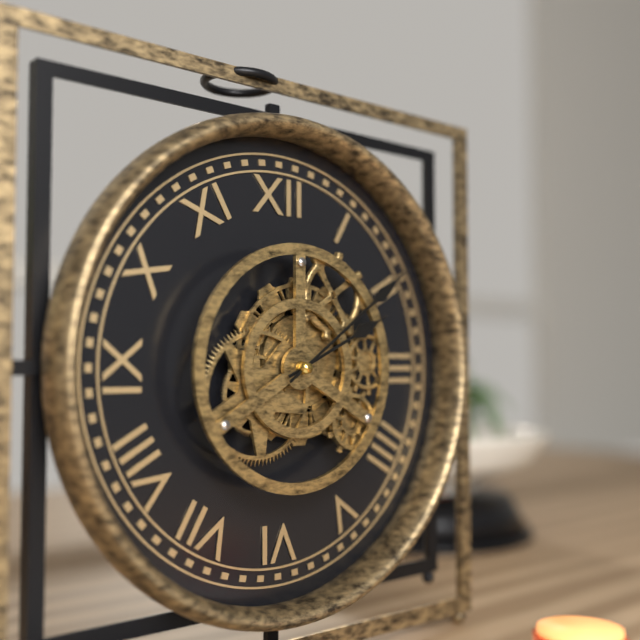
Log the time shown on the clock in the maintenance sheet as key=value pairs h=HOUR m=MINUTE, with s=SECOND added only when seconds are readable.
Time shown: h=2 m=9
